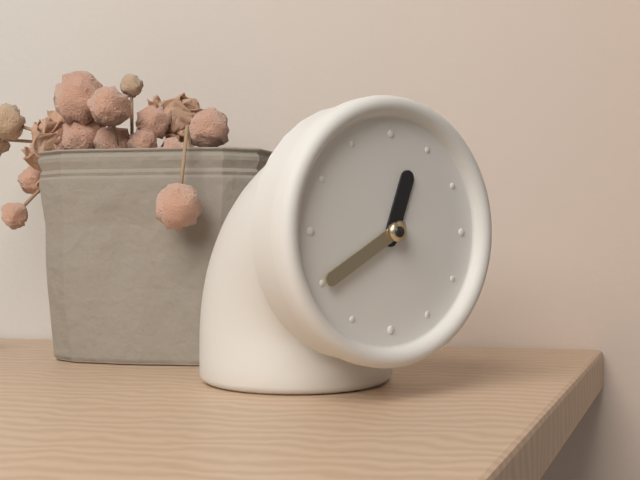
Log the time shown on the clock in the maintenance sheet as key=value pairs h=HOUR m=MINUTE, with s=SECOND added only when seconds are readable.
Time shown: h=12 m=40
